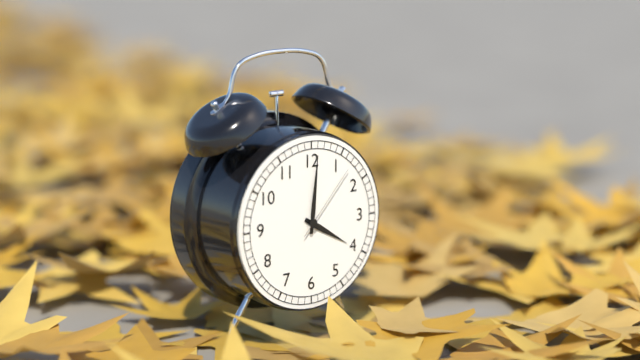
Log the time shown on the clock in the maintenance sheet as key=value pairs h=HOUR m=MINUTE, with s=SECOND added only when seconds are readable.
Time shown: h=4 m=1 s=7
